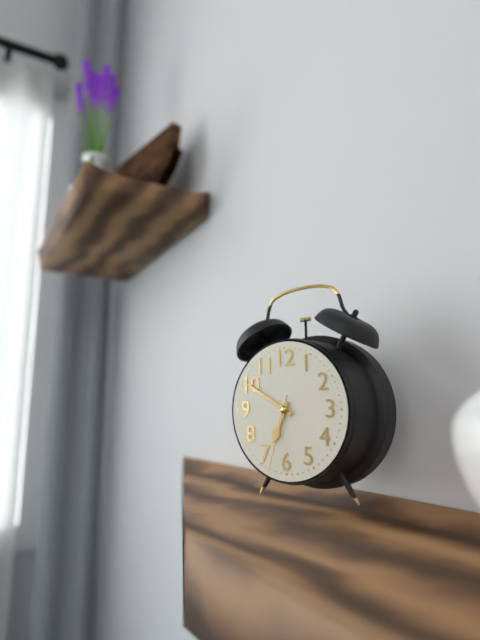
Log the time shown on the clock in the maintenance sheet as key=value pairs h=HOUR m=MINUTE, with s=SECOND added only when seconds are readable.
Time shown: h=6 m=50 s=33
